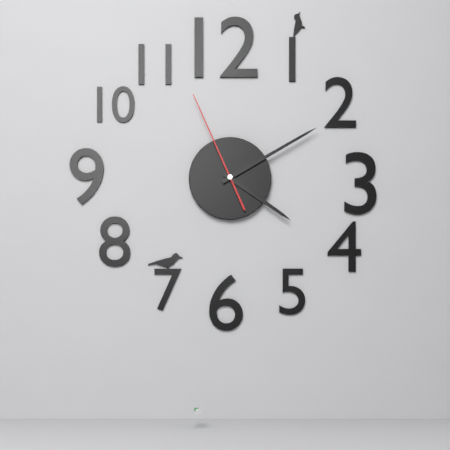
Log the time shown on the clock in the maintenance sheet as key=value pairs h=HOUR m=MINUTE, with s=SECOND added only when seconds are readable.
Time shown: h=4 m=10 s=56
